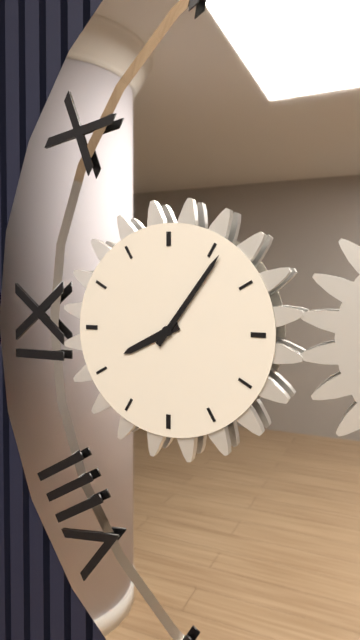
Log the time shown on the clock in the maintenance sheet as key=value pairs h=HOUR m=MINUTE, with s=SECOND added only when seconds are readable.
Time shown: h=8 m=6
